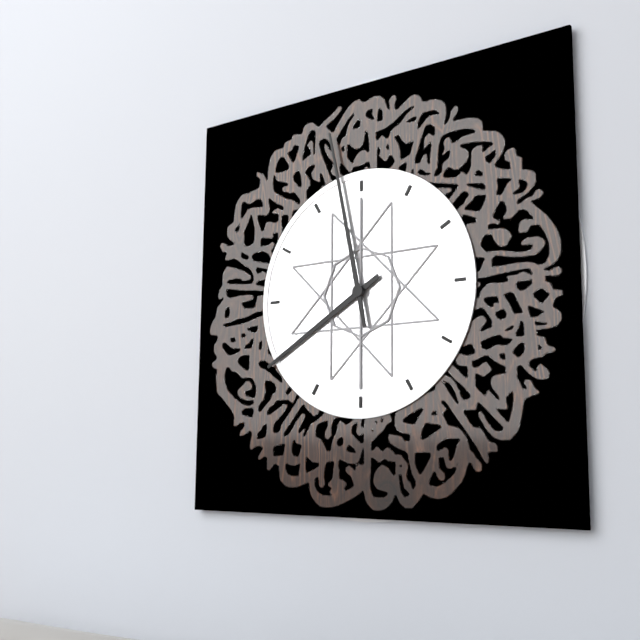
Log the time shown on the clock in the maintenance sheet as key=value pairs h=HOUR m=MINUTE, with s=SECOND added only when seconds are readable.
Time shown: h=7 m=58
